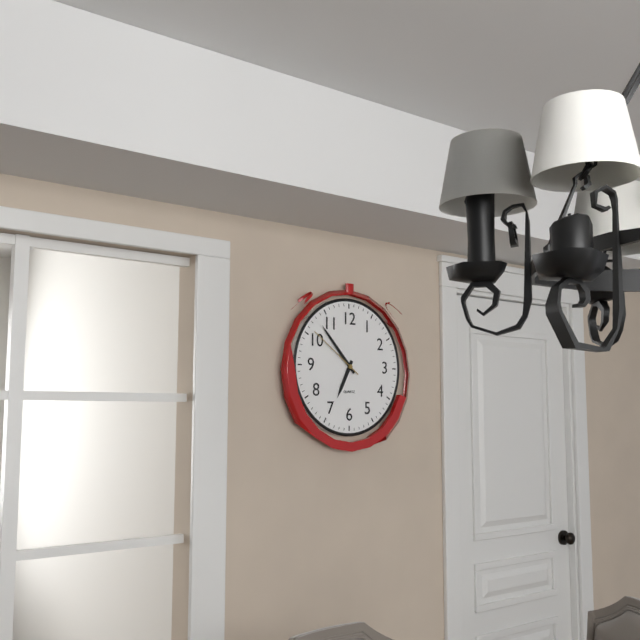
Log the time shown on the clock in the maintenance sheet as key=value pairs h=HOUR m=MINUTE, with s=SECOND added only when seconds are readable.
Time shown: h=6 m=53 s=51
